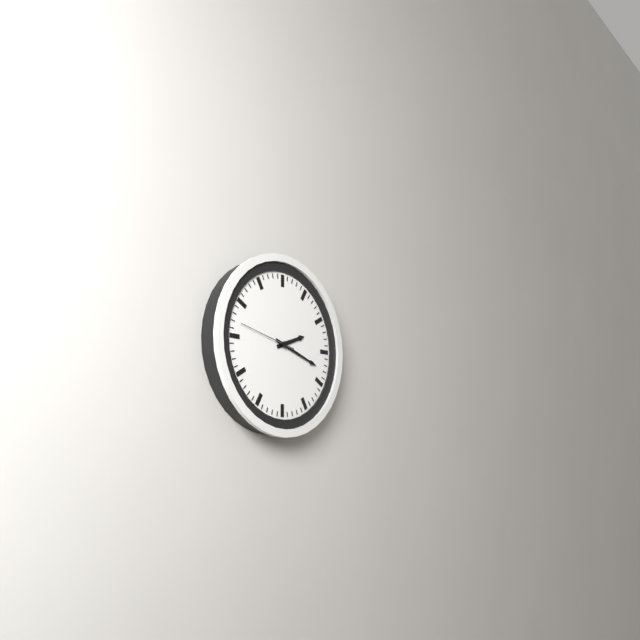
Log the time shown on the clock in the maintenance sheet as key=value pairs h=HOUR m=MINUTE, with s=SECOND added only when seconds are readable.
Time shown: h=2 m=18 s=47
